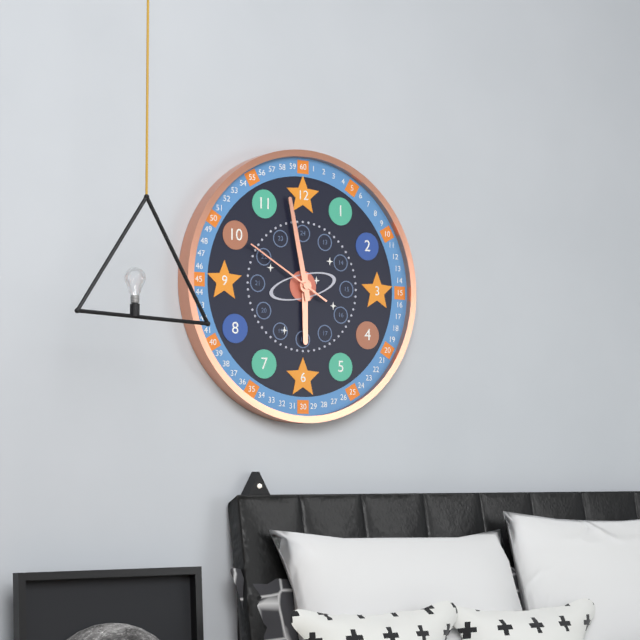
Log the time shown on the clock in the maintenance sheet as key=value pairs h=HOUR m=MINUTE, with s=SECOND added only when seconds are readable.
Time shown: h=5 m=58 s=50
